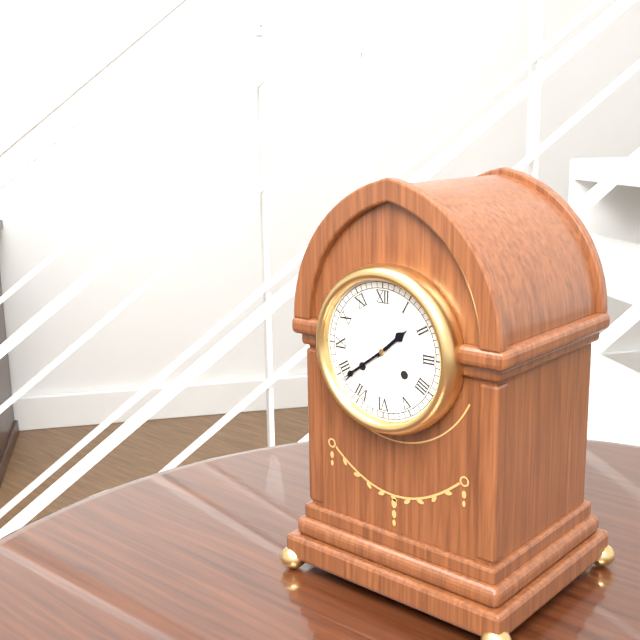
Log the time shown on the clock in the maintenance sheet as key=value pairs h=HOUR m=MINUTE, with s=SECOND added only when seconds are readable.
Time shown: h=1 m=39
